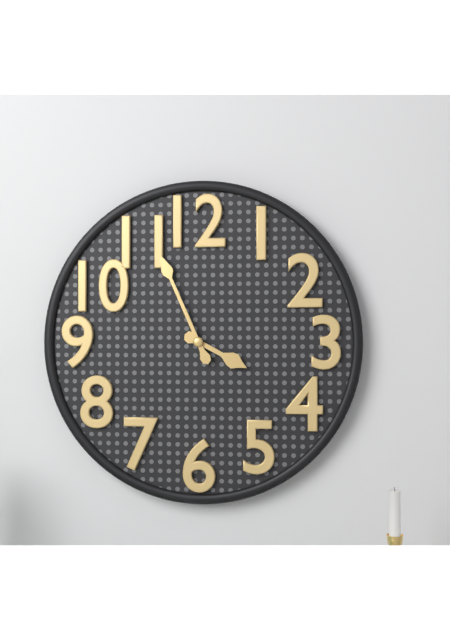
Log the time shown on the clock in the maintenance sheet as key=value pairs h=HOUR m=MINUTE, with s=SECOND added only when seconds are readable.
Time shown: h=3 m=56
